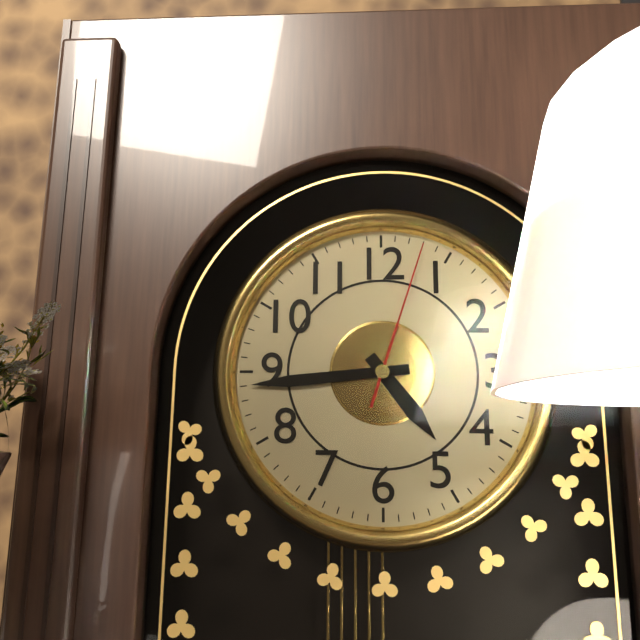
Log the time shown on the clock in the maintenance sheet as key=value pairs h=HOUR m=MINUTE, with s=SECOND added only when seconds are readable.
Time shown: h=4 m=44 s=3
